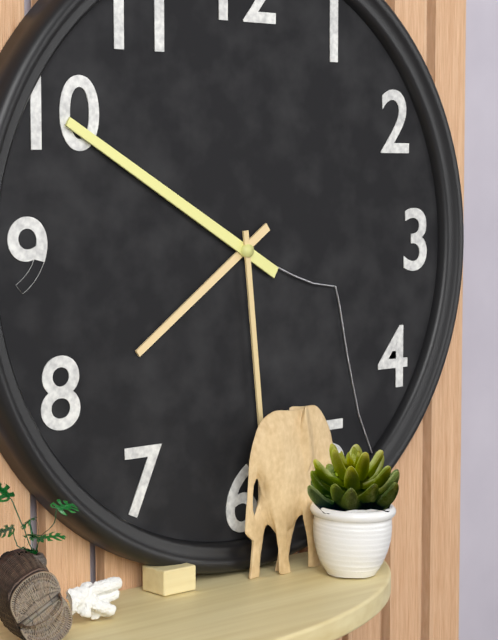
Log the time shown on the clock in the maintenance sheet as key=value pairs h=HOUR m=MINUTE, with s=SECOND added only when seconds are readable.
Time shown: h=7 m=50
